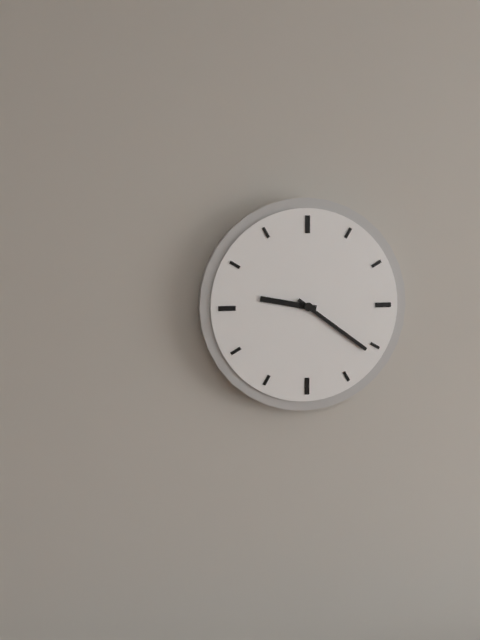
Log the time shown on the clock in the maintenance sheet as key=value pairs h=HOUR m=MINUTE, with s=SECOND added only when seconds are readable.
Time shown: h=9 m=21
